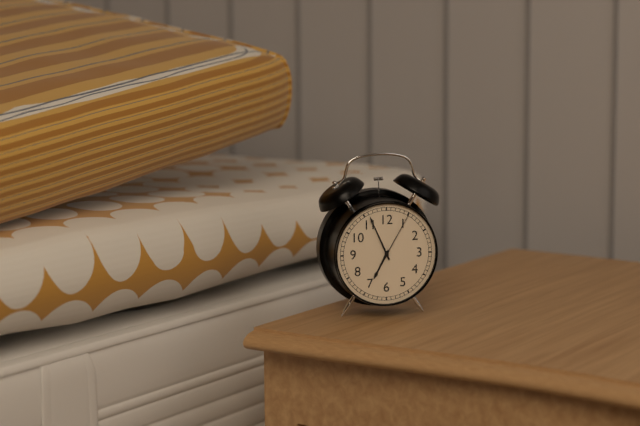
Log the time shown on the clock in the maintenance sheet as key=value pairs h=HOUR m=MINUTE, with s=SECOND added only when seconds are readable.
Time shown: h=6 m=56 s=5
